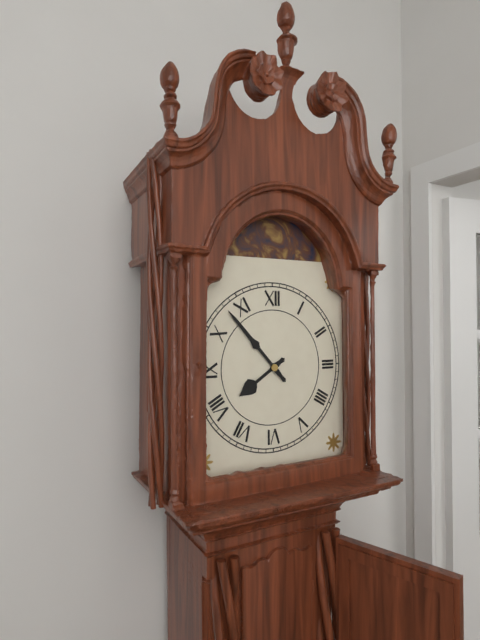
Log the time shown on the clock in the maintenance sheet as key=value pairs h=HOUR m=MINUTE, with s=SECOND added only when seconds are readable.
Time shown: h=7 m=53
